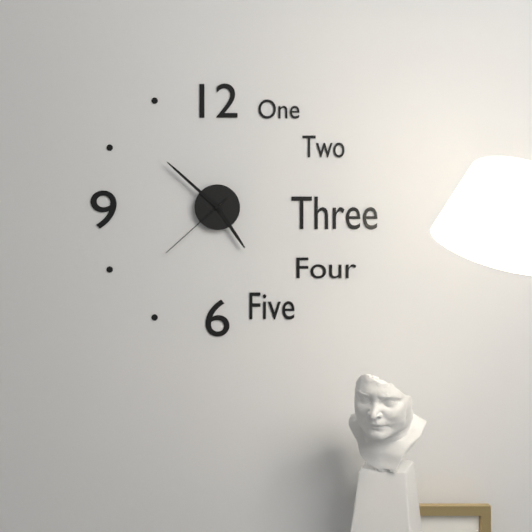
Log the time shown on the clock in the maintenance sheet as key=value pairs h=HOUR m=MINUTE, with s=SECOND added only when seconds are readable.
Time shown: h=4 m=52 s=38
